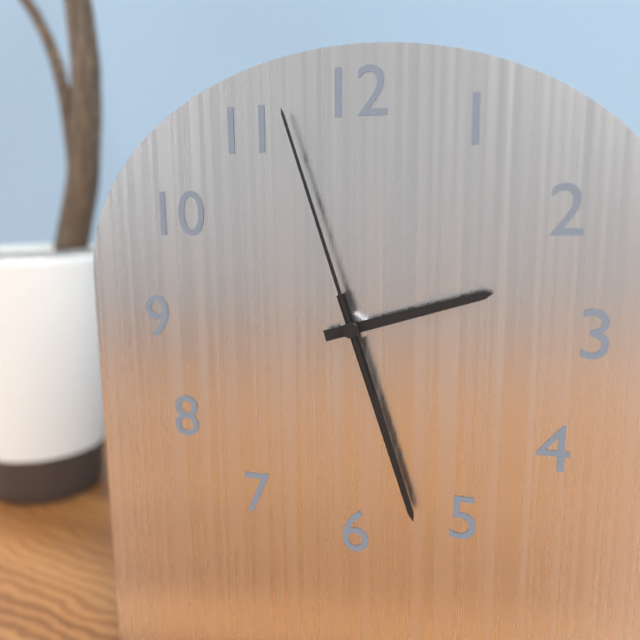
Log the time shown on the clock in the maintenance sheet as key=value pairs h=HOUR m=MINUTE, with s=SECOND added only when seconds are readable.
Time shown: h=2 m=27 s=57
